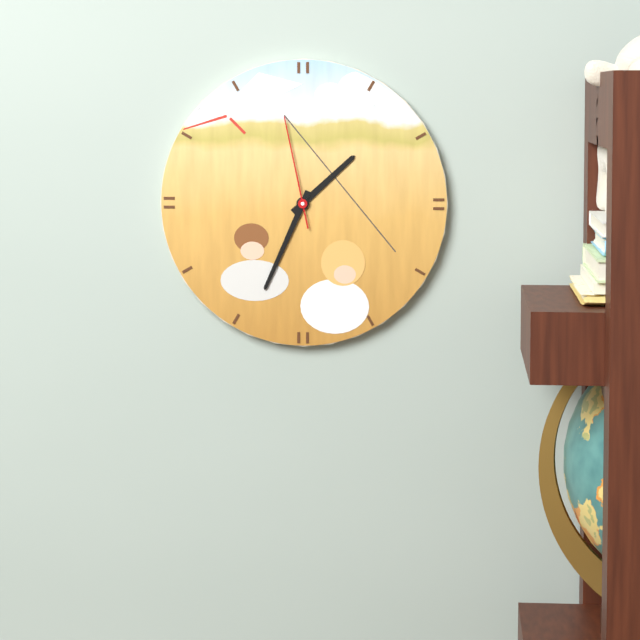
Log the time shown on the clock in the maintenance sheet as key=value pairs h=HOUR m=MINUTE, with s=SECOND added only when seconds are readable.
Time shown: h=1 m=34 s=58
